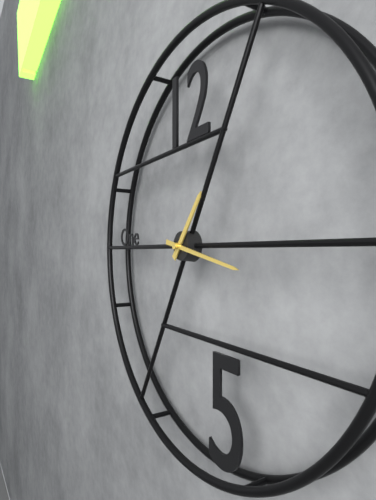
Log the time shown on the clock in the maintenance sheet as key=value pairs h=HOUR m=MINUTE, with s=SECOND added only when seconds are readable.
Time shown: h=1 m=17
